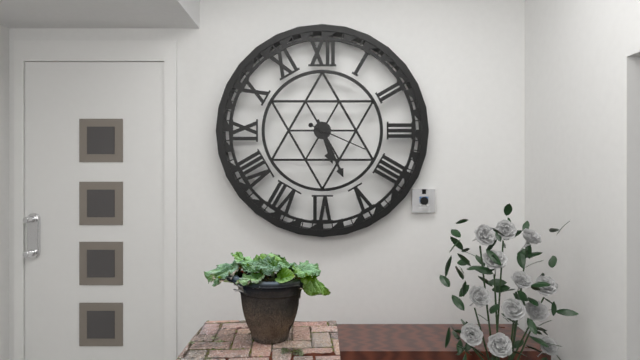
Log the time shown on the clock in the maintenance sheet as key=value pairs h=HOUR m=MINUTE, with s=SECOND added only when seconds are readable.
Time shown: h=5 m=26 s=19
